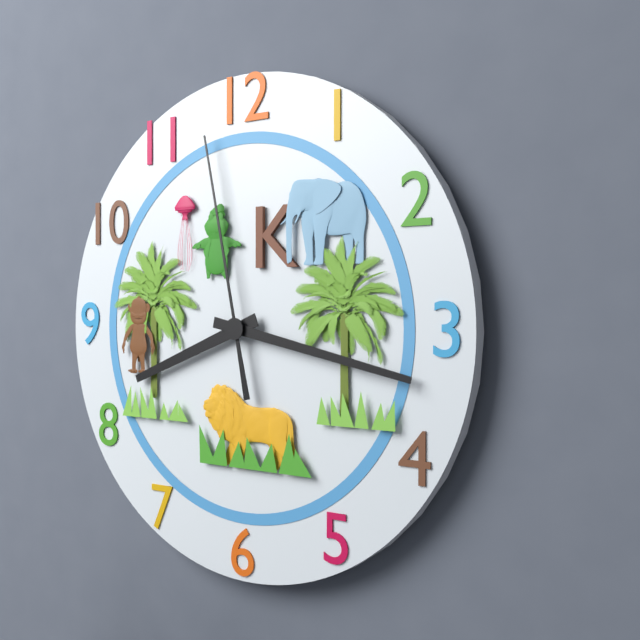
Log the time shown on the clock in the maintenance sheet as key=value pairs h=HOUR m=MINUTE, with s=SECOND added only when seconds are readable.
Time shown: h=8 m=17 s=58
